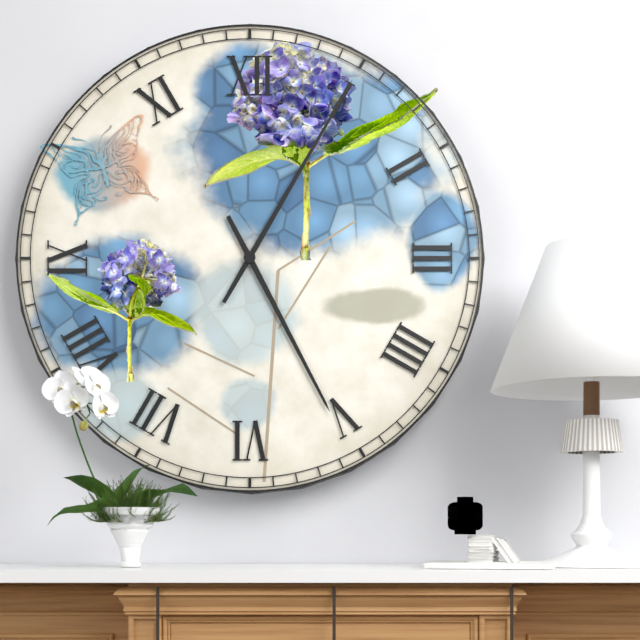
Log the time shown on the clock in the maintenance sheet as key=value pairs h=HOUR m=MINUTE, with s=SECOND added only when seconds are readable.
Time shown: h=5 m=5
